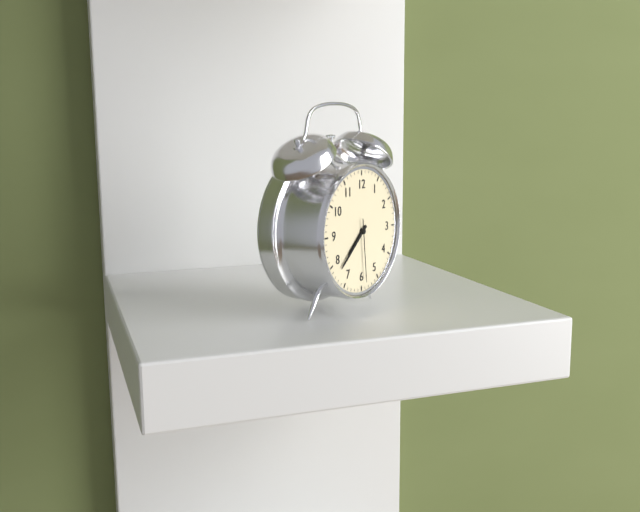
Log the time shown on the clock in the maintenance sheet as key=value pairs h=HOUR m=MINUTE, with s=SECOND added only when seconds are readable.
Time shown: h=7 m=38 s=29
